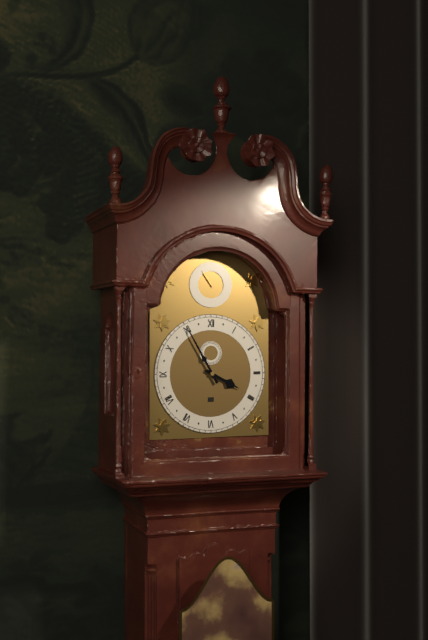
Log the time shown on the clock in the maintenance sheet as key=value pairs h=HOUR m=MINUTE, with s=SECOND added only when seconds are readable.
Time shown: h=3 m=55
